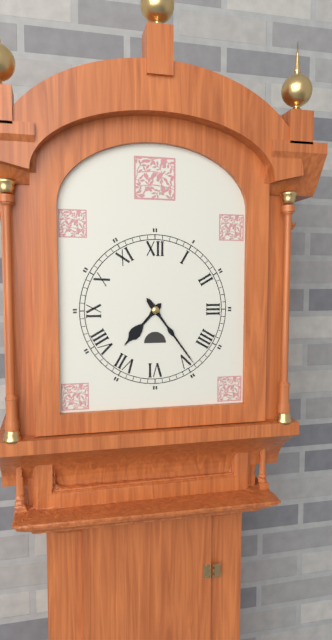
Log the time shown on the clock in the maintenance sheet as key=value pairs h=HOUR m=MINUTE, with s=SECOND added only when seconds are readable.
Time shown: h=7 m=24
